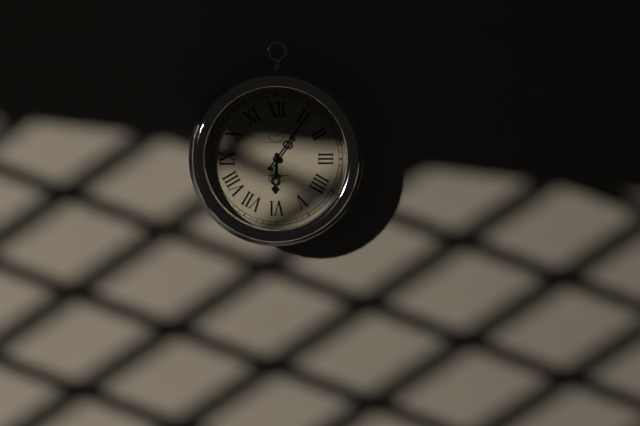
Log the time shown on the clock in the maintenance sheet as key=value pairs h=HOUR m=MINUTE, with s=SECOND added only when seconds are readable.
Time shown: h=6 m=6
